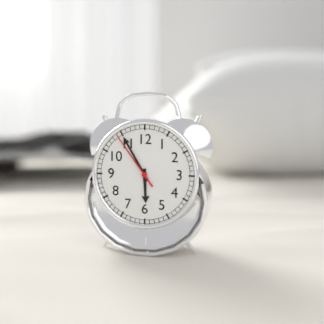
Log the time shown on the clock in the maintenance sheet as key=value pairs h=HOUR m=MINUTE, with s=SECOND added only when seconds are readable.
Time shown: h=5 m=55 s=54
